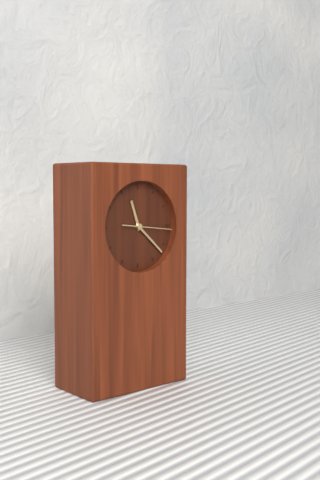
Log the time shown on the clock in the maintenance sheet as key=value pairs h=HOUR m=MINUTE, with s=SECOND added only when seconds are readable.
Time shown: h=11 m=22
